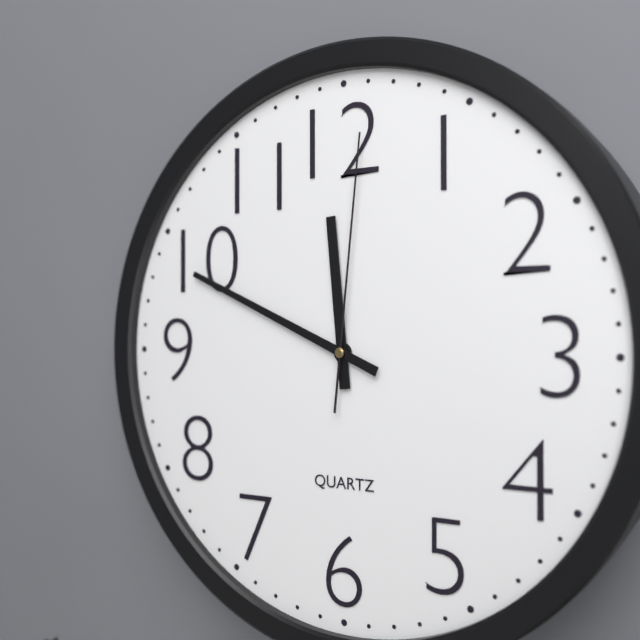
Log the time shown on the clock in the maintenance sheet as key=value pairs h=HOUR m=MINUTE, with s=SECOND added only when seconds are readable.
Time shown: h=11 m=49 s=1
